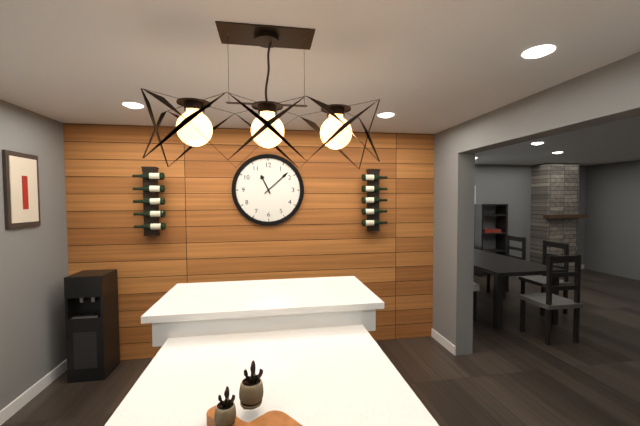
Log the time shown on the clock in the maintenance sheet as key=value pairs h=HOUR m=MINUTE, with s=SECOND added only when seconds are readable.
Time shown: h=11 m=8
